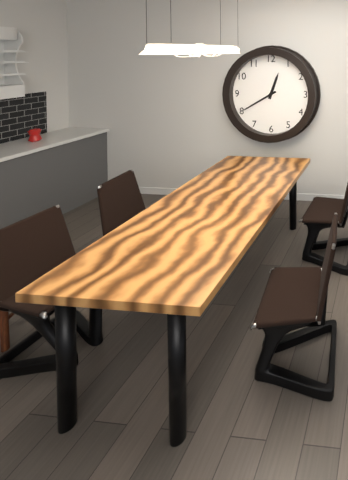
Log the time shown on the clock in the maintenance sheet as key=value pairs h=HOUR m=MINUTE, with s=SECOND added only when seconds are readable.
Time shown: h=12 m=40
